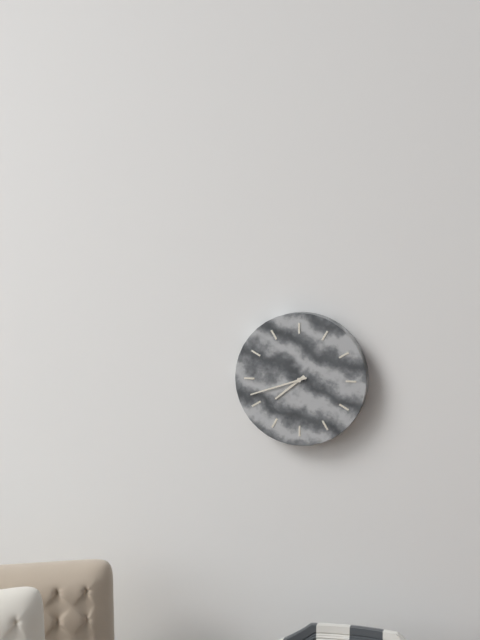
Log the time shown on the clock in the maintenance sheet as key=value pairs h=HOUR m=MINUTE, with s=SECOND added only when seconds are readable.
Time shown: h=7 m=42
